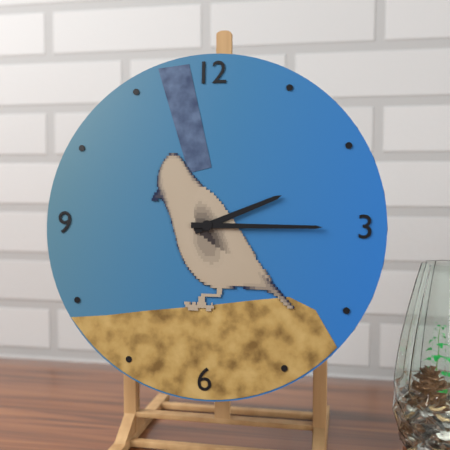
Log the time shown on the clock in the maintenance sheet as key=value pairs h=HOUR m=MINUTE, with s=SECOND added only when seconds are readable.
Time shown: h=2 m=15
